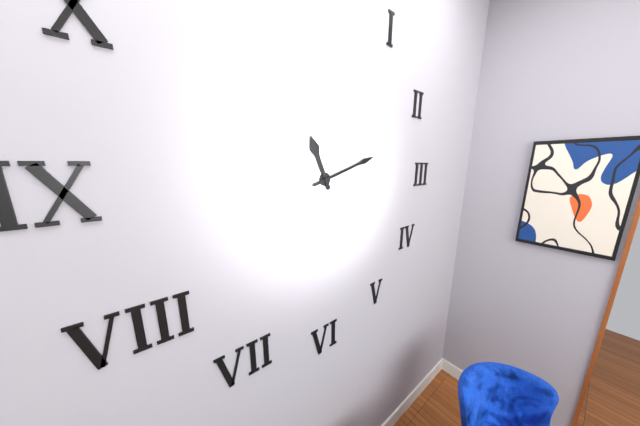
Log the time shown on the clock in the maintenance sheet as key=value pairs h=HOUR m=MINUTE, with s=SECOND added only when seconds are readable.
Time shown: h=11 m=12
